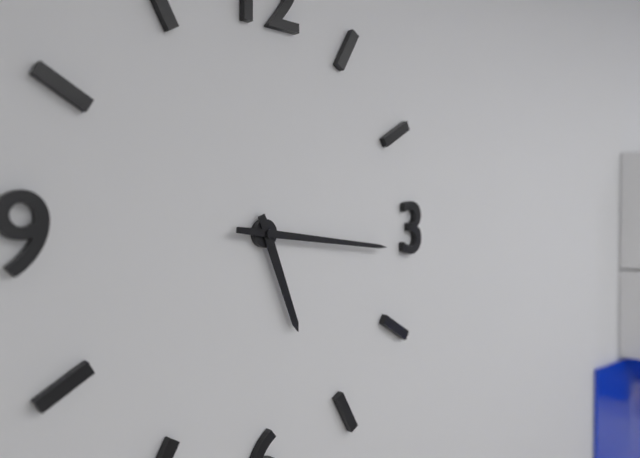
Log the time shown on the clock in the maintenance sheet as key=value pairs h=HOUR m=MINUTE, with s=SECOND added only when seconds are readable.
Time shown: h=5 m=16
